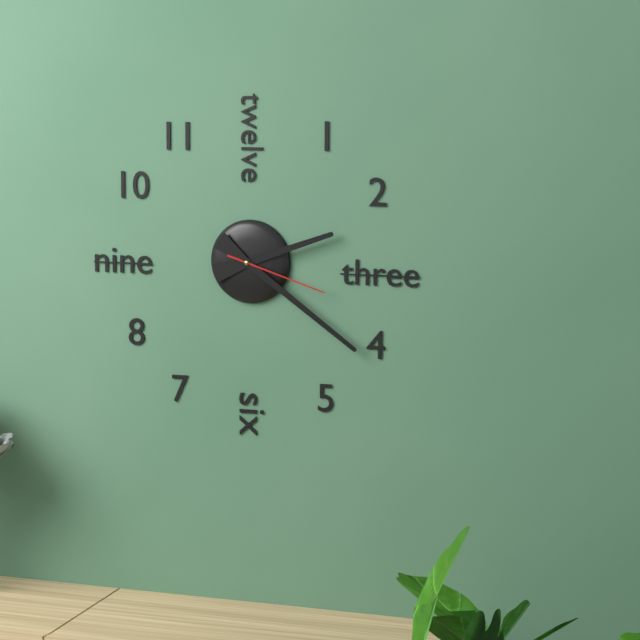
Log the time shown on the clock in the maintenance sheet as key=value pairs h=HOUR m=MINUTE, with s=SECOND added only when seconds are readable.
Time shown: h=2 m=21 s=18
